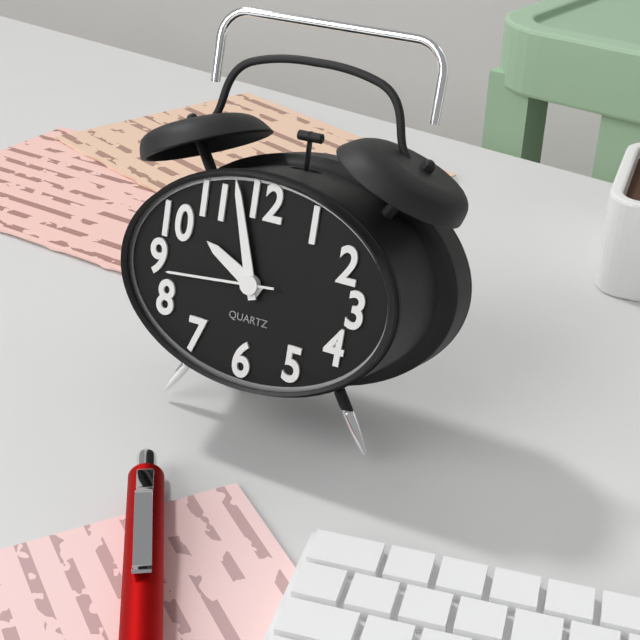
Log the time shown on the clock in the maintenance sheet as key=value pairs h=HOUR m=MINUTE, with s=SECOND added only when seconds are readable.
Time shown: h=9 m=57 s=44
